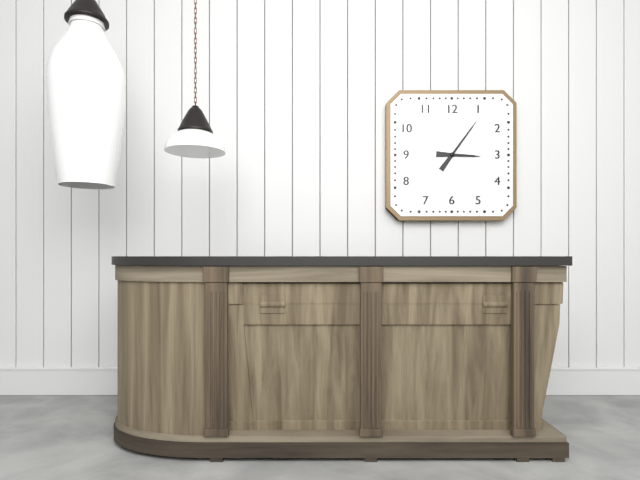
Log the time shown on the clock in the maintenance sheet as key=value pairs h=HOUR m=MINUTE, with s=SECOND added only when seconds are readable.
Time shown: h=3 m=6
